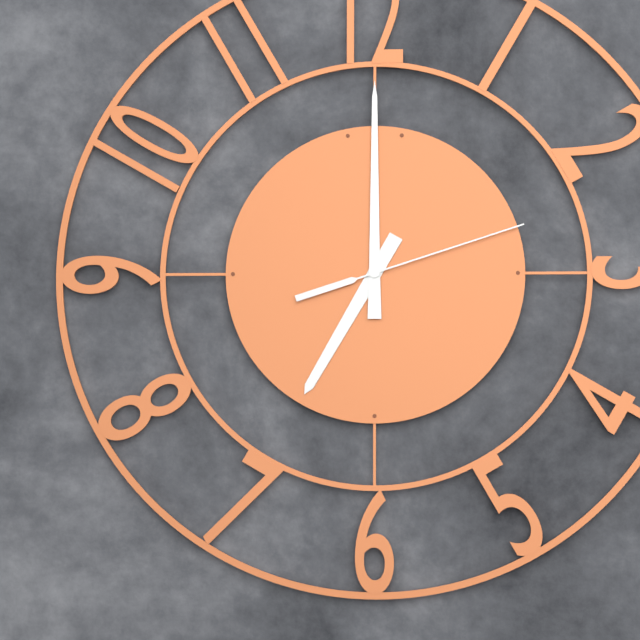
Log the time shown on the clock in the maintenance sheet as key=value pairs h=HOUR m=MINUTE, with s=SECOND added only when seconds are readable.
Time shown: h=7 m=0 s=12
